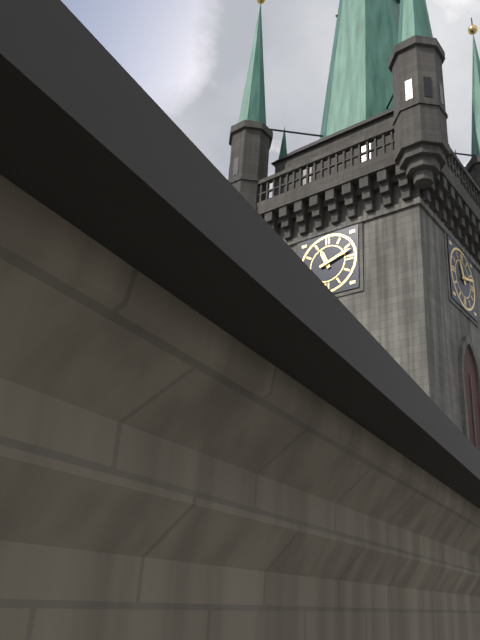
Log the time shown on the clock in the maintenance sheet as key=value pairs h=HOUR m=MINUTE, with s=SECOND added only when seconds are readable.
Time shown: h=11 m=12
